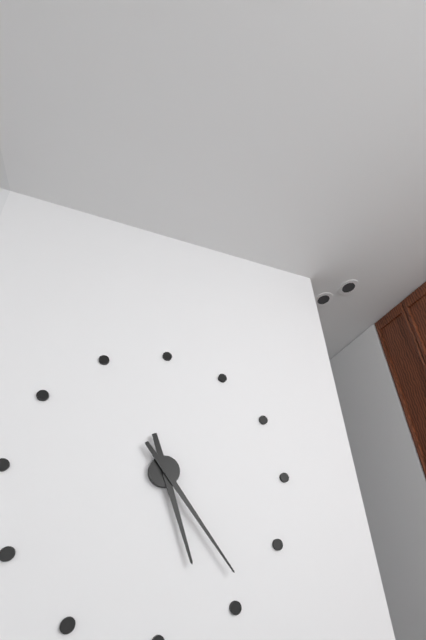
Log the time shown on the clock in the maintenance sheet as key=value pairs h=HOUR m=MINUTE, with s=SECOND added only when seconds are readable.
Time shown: h=5 m=24
